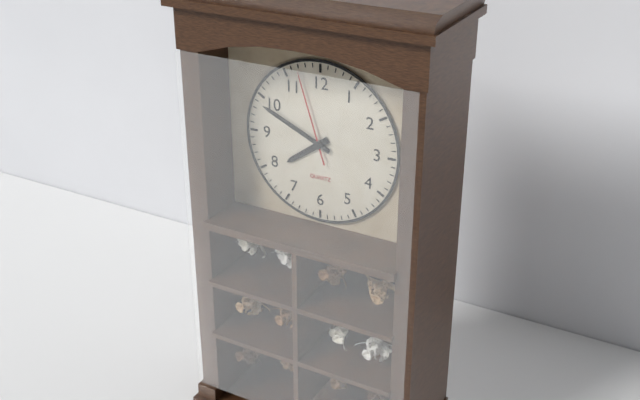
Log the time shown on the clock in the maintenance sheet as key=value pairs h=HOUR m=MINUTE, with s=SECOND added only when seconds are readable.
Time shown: h=7 m=49 s=57
